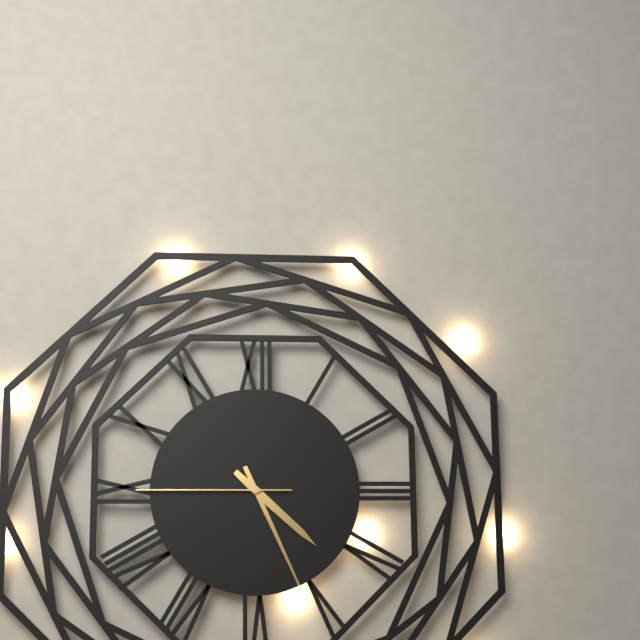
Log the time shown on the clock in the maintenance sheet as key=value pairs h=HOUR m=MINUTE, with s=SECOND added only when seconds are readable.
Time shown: h=4 m=26 s=45
